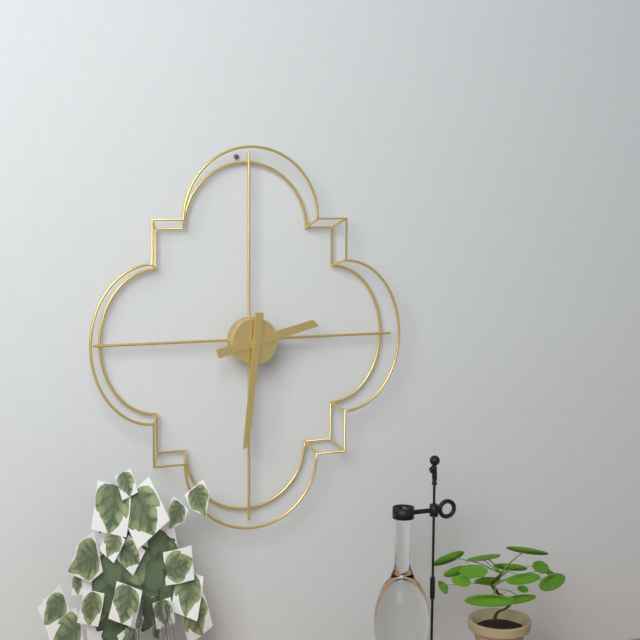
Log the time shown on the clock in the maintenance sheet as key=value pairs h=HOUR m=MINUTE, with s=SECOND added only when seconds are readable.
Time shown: h=2 m=31
